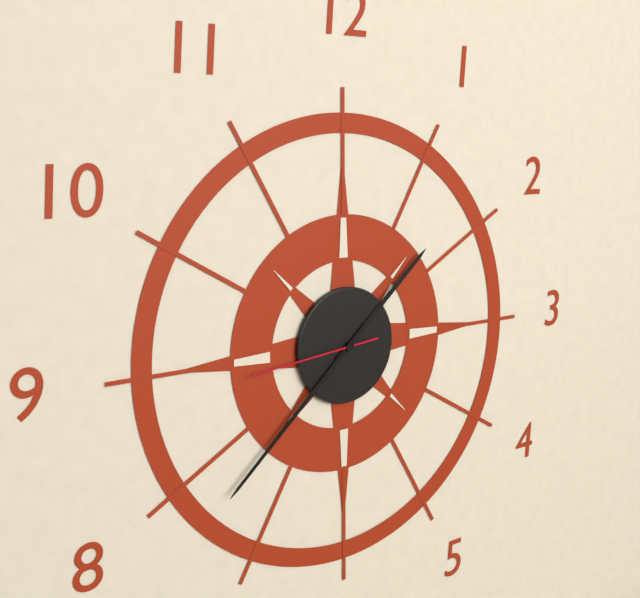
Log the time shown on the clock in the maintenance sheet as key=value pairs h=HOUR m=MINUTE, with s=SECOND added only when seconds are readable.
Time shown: h=1 m=38 s=44
